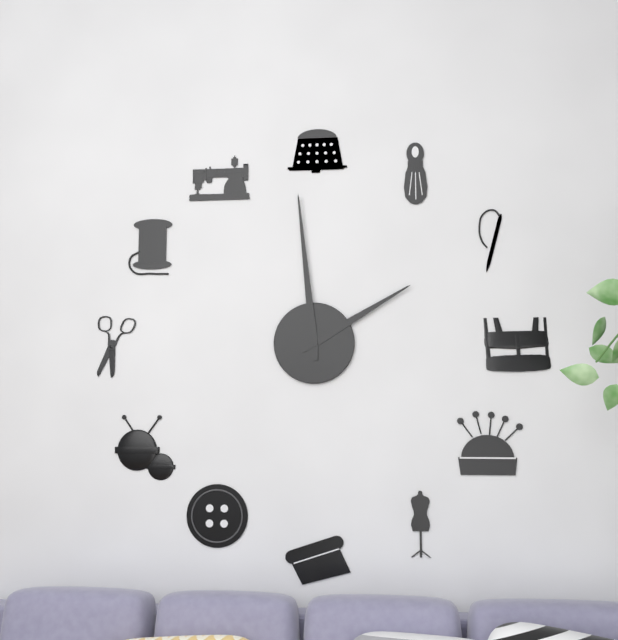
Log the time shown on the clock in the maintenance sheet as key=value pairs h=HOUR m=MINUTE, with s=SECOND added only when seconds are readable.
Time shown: h=1 m=59
